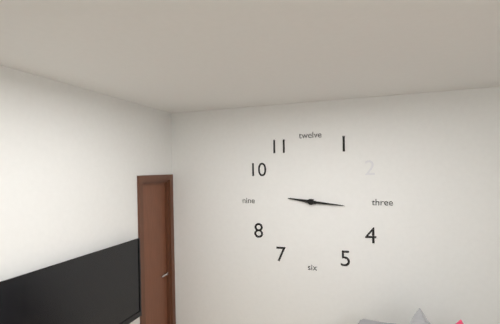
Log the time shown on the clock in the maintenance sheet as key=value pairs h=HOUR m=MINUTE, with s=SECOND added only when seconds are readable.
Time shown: h=9 m=16
